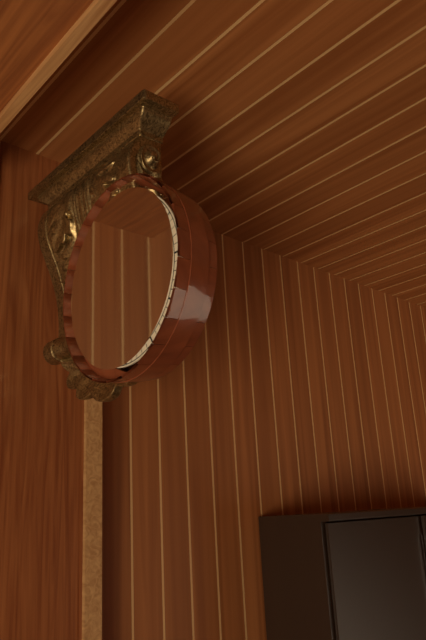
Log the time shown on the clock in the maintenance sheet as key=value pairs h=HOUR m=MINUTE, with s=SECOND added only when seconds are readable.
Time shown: h=2 m=34
